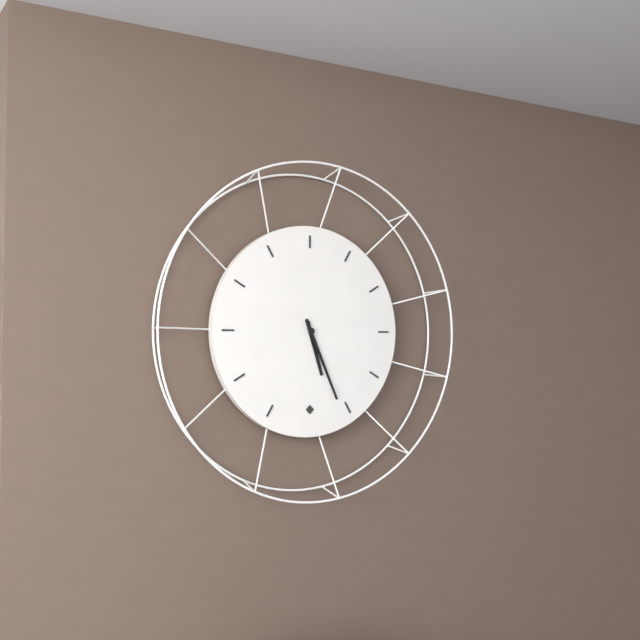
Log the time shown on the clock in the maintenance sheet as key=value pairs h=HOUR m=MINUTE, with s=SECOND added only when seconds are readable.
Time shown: h=5 m=26
